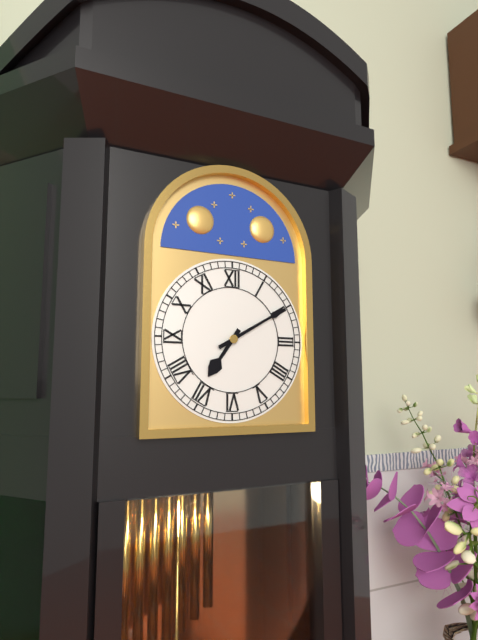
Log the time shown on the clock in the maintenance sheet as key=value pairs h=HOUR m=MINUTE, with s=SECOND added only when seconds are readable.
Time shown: h=7 m=10
